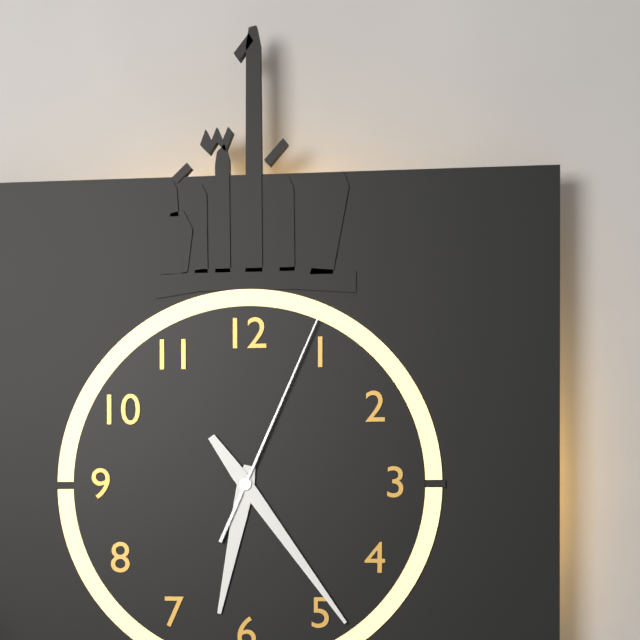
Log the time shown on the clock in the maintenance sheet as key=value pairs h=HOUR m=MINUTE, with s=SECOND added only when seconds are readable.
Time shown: h=6 m=24 s=4
